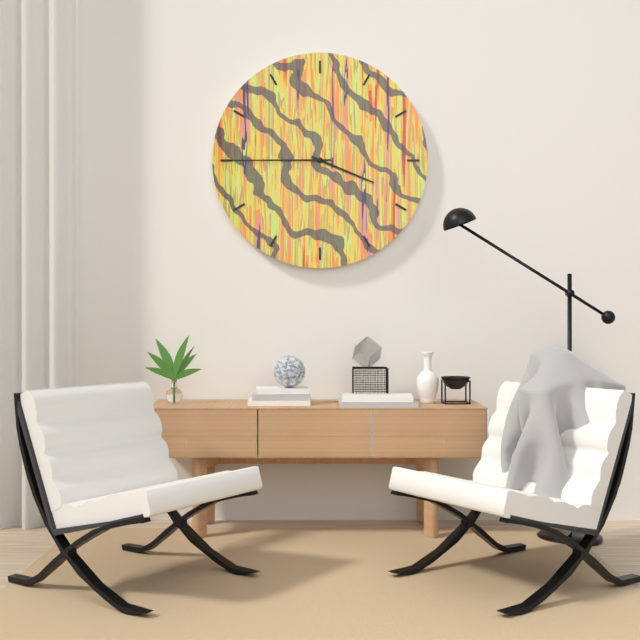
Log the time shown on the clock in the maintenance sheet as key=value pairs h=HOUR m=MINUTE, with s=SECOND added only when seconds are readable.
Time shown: h=3 m=45
